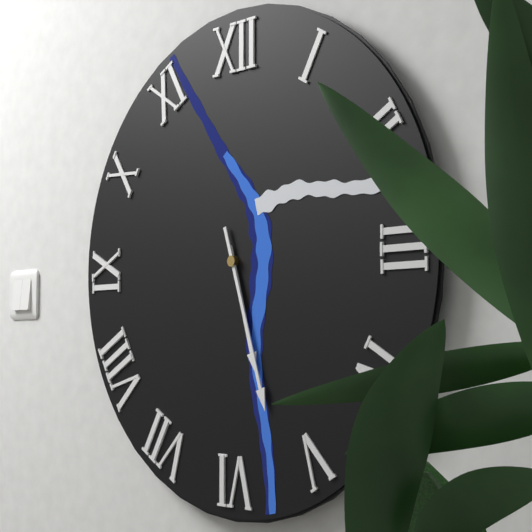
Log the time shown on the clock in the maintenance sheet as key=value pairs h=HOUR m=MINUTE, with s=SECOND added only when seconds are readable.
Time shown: h=5 m=27
